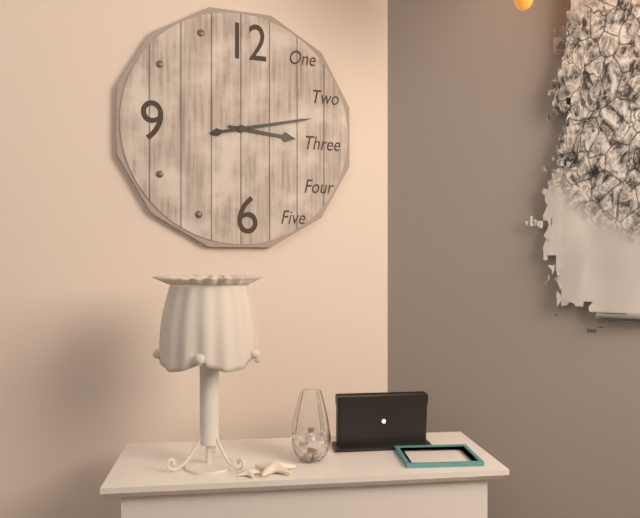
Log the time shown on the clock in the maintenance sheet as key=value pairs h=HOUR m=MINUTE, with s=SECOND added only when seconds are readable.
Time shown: h=3 m=13
